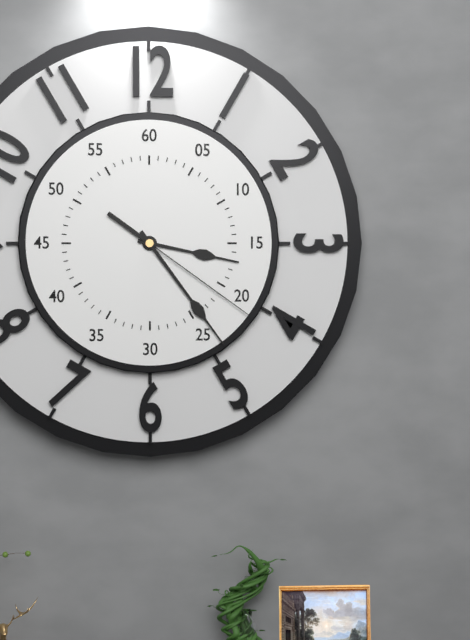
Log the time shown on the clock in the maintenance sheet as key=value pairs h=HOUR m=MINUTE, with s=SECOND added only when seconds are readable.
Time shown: h=3 m=24 s=21
